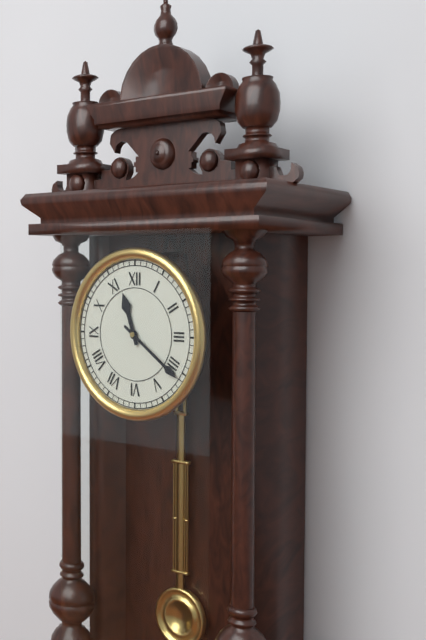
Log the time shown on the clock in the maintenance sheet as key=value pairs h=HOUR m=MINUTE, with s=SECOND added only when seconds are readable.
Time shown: h=11 m=21
